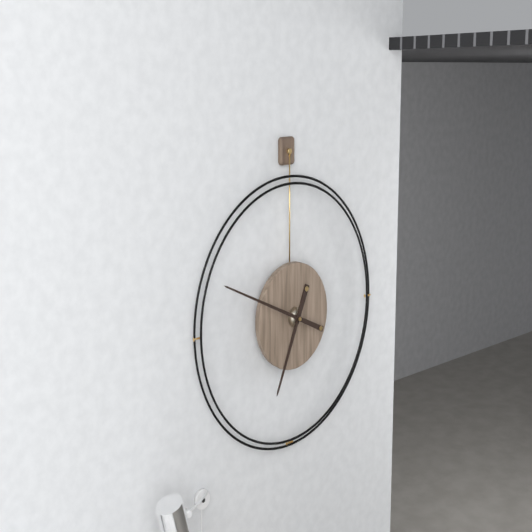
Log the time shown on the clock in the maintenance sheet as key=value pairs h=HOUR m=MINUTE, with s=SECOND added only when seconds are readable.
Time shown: h=6 m=49
